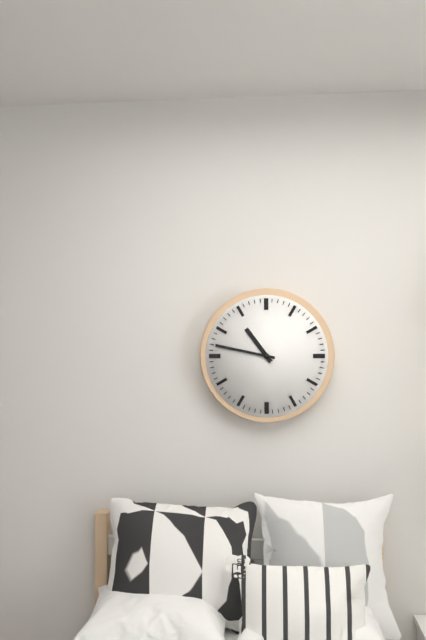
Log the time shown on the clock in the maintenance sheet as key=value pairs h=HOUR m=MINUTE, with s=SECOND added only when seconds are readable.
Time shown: h=10 m=47
